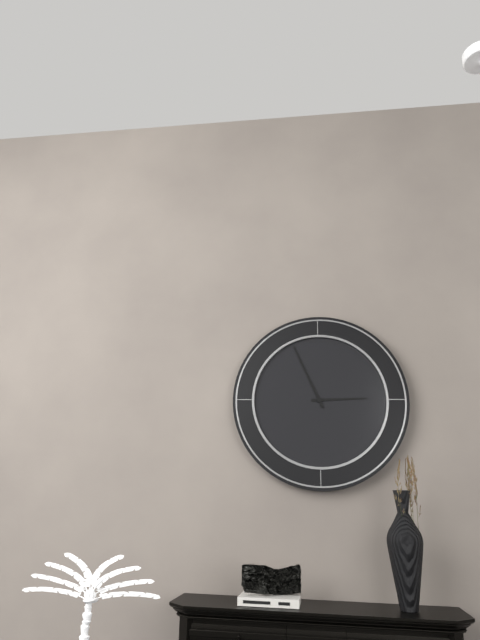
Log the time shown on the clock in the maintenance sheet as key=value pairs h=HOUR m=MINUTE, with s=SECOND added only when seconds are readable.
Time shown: h=2 m=56
